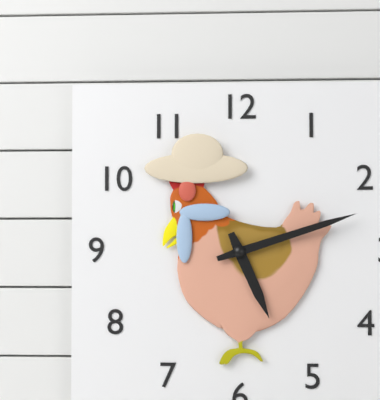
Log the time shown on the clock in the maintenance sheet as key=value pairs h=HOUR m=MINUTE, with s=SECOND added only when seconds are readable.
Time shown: h=5 m=12
